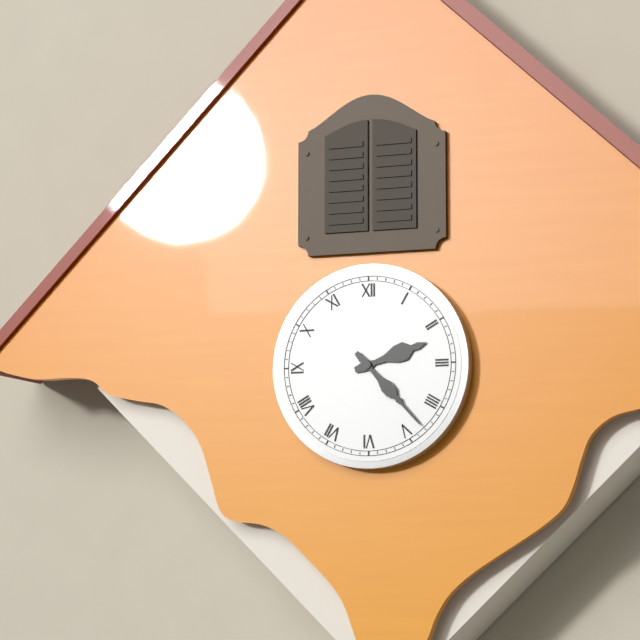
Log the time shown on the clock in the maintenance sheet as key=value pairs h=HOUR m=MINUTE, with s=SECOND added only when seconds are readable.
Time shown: h=2 m=23
